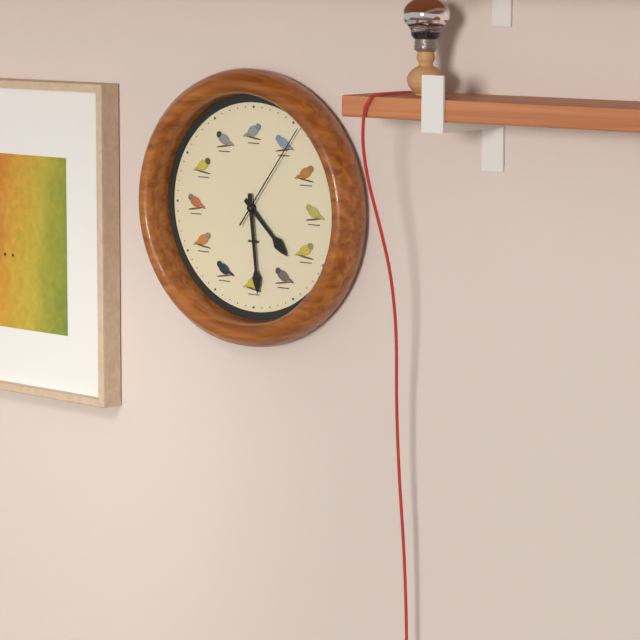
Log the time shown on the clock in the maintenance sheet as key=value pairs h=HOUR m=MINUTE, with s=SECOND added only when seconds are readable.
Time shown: h=4 m=29 s=6
